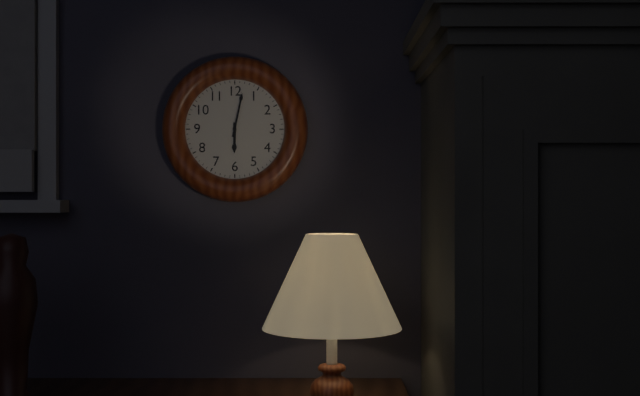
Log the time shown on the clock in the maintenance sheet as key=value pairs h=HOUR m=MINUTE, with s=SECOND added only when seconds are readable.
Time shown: h=6 m=2
